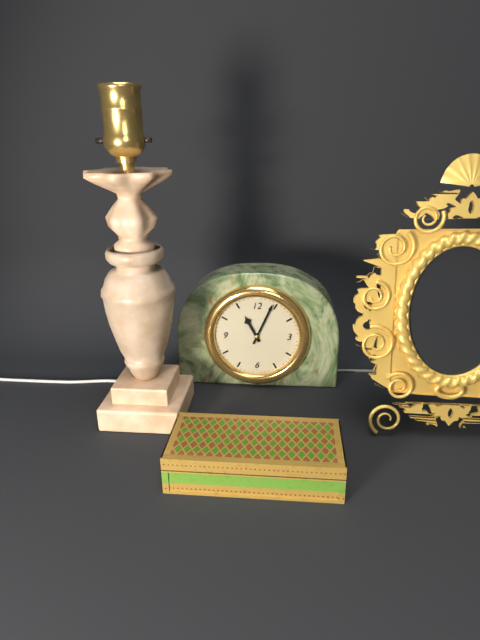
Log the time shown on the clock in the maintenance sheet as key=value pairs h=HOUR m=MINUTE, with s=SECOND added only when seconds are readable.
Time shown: h=11 m=4
